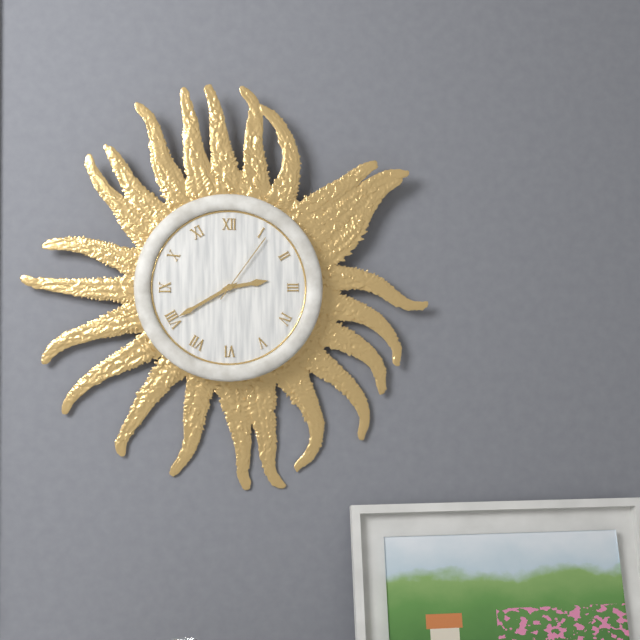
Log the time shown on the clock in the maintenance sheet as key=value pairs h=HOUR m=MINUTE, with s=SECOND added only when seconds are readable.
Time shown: h=2 m=40 s=6
